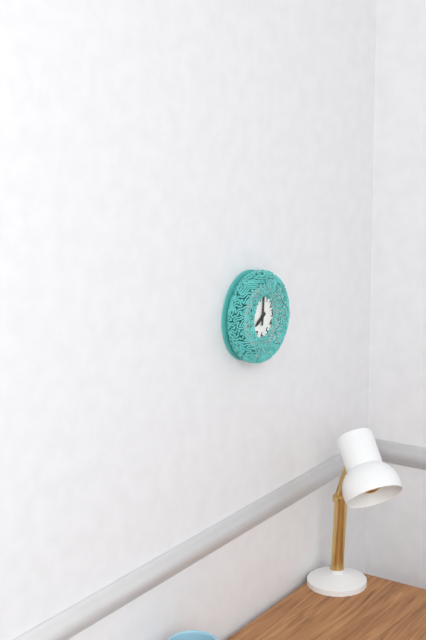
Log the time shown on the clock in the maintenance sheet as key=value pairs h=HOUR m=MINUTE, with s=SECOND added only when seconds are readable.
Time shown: h=8 m=1
